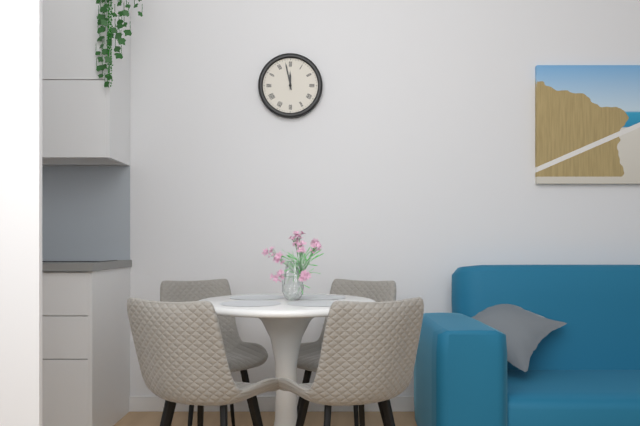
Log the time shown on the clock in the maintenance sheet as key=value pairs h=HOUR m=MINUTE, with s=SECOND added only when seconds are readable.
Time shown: h=11 m=58
